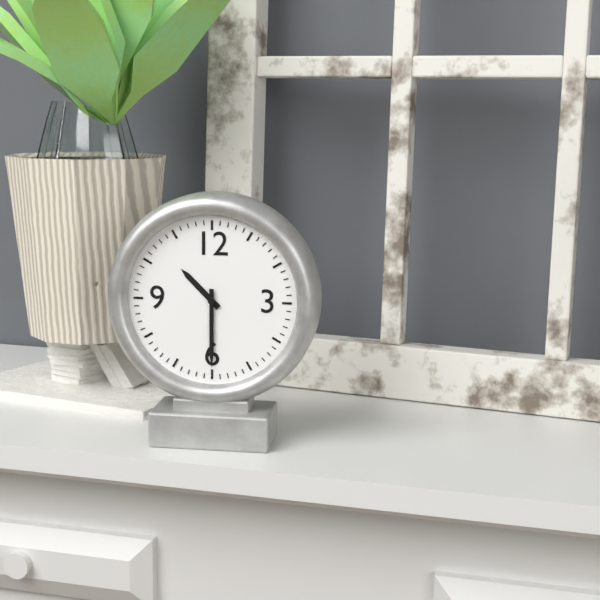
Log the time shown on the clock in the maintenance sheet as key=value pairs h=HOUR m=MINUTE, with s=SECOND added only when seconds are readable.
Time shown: h=10 m=30
